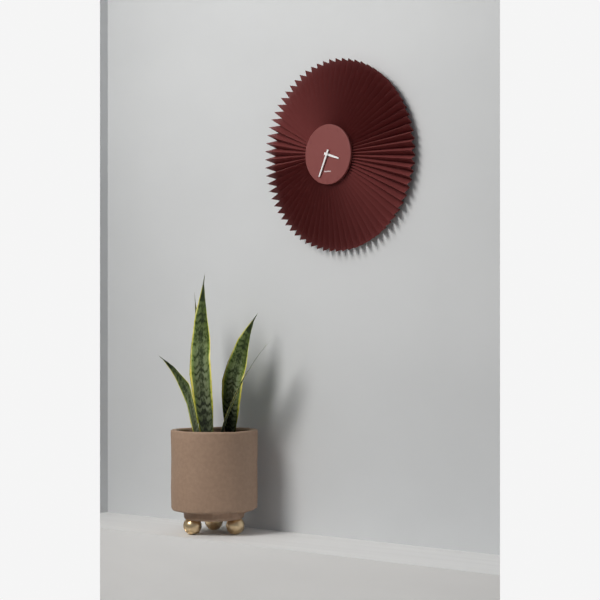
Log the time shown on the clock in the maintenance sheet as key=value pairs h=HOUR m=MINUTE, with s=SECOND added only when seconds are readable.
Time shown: h=3 m=34
